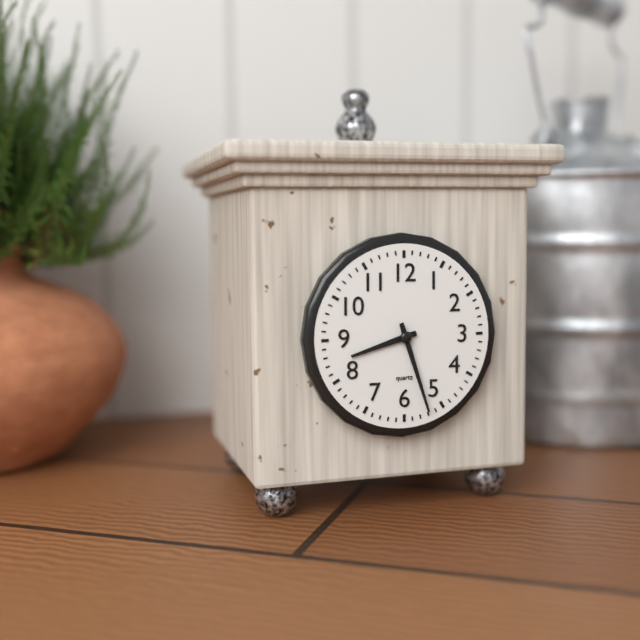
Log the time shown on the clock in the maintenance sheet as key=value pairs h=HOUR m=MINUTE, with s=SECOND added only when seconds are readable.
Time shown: h=8 m=27
